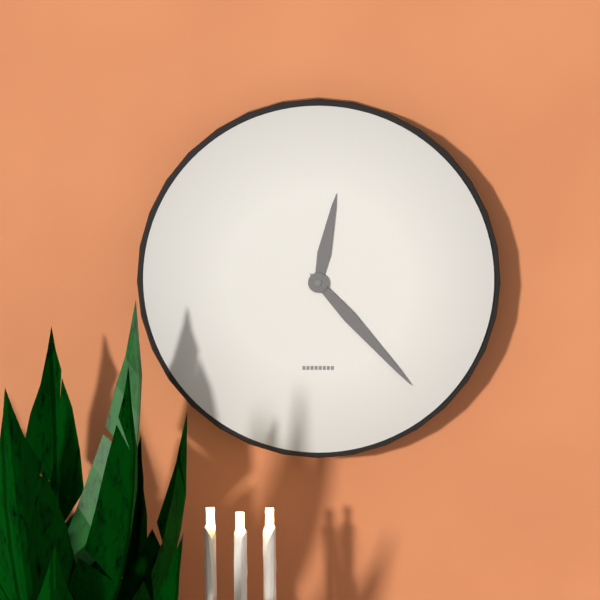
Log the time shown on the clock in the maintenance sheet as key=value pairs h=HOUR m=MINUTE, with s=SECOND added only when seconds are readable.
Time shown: h=12 m=23
